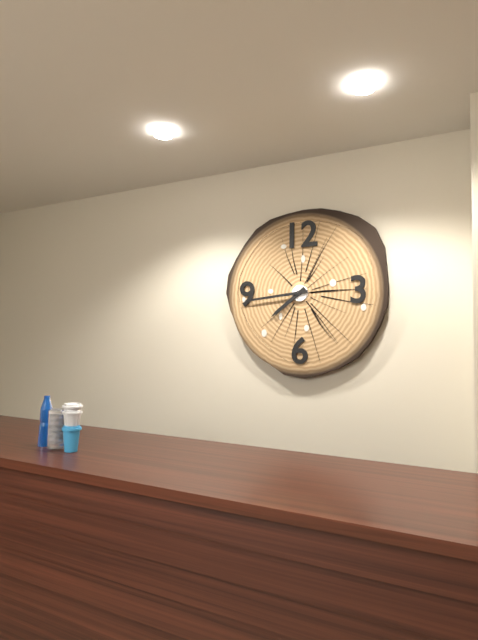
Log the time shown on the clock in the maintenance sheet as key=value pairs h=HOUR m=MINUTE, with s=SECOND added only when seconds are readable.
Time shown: h=7 m=44
